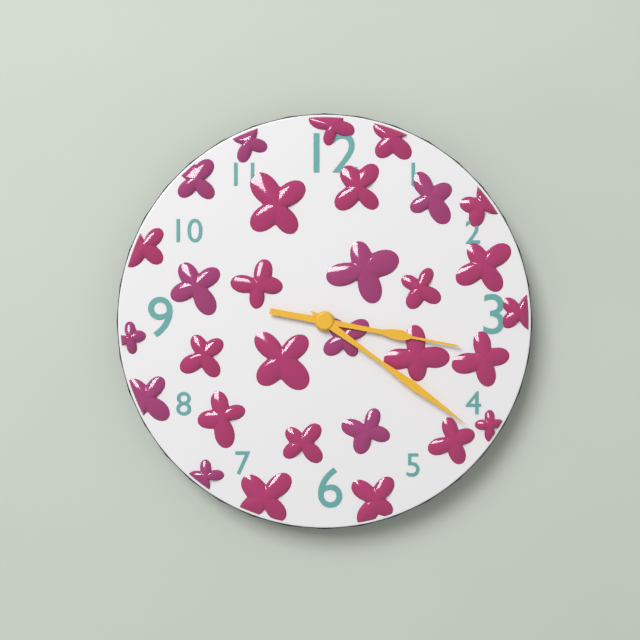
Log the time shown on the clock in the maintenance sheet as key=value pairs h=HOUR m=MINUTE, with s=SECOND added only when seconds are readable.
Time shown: h=3 m=21
